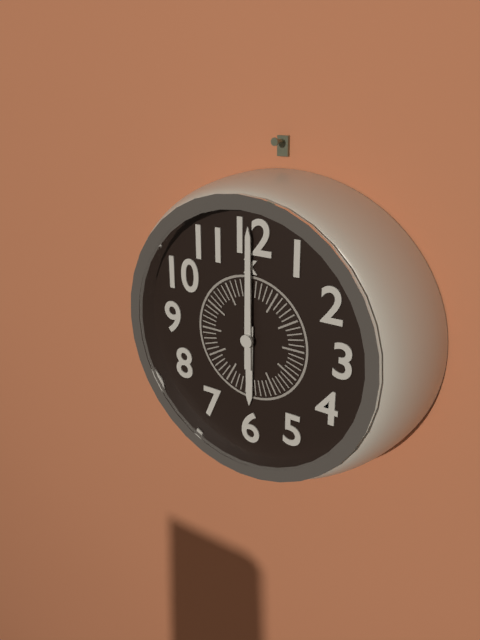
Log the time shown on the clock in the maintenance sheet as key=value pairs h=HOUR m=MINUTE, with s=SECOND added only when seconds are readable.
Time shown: h=6 m=0
